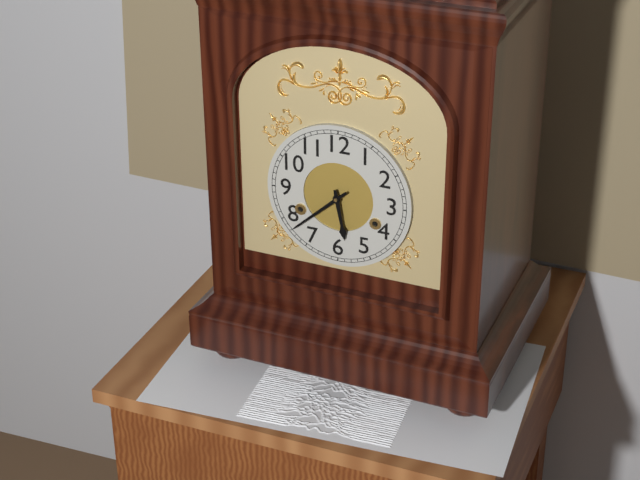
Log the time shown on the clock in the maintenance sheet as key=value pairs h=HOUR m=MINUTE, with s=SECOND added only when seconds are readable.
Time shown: h=5 m=38
